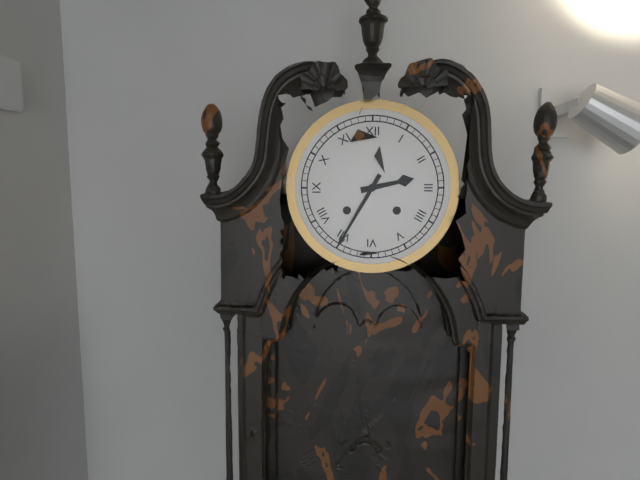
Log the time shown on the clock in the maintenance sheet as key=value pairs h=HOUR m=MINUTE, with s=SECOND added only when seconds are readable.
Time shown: h=2 m=35
